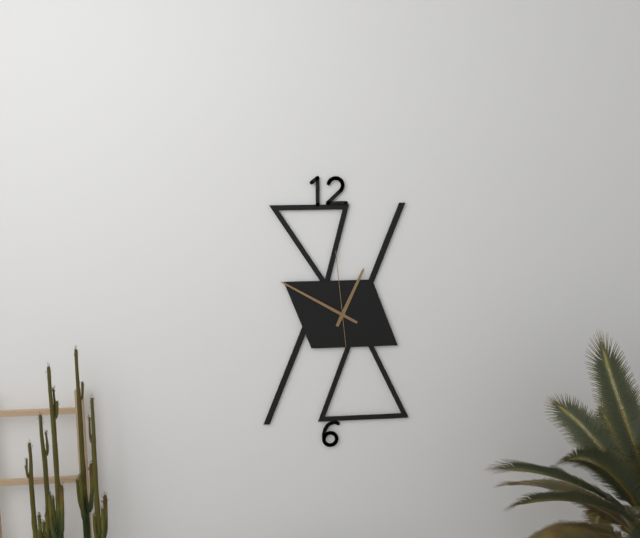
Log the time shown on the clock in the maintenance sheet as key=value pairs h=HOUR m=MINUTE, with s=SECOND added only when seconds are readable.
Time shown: h=12 m=50 s=59
